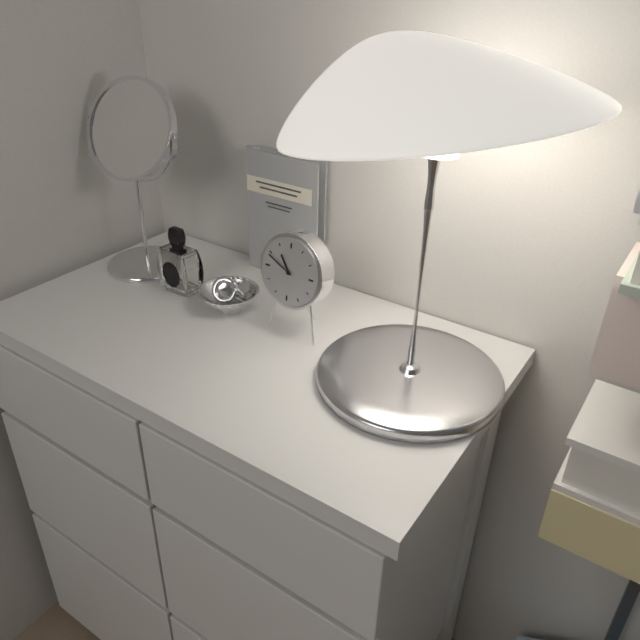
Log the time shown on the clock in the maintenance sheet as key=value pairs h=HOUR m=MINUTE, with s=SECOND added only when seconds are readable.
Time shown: h=10 m=49
